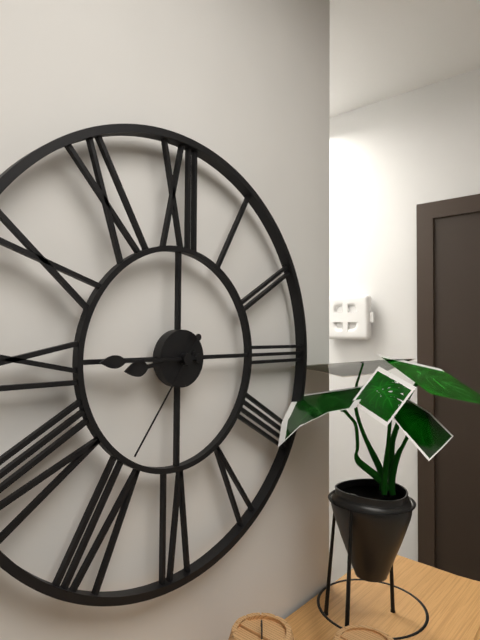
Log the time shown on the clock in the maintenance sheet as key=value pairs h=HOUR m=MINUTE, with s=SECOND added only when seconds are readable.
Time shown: h=8 m=45 s=36
